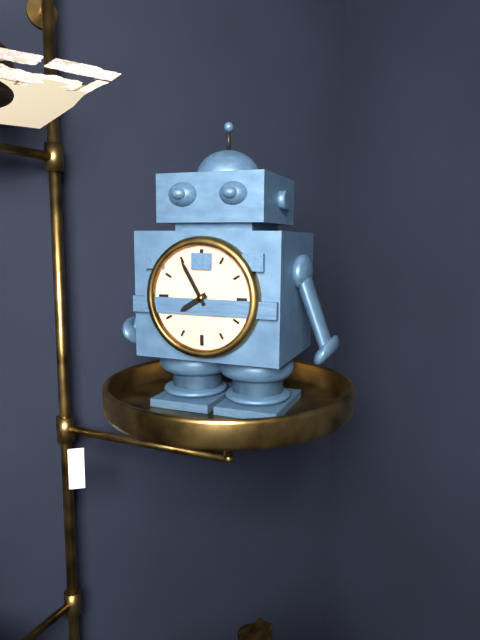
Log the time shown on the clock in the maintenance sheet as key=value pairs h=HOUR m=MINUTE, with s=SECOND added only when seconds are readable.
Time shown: h=7 m=55
